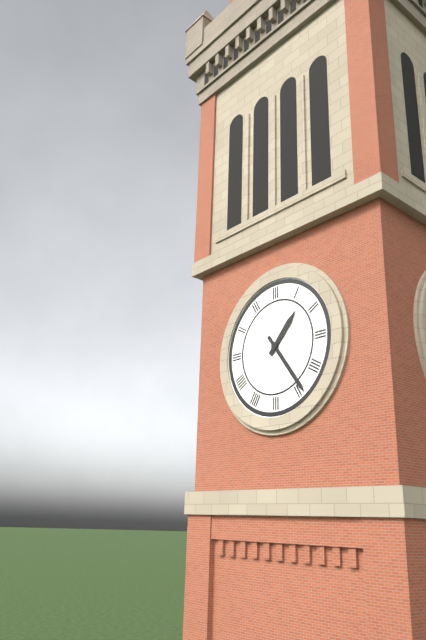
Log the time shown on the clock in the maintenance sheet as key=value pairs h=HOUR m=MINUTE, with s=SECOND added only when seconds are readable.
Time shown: h=1 m=24
